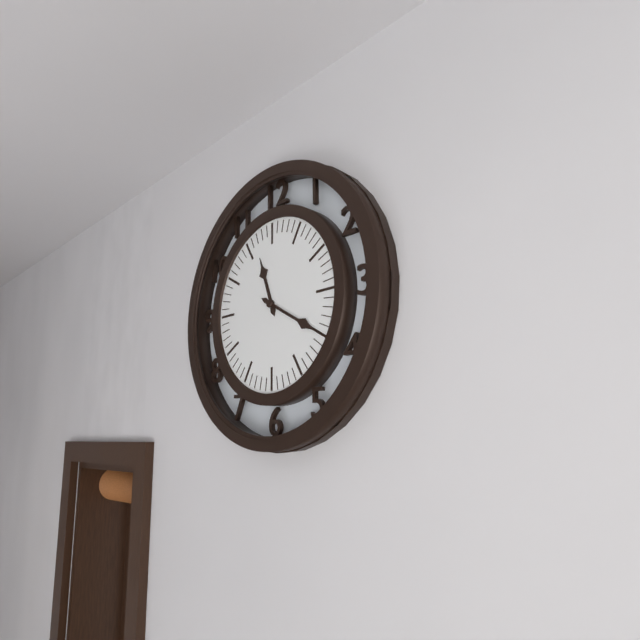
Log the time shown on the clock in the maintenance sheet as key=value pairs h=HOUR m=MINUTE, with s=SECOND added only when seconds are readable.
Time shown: h=11 m=20
